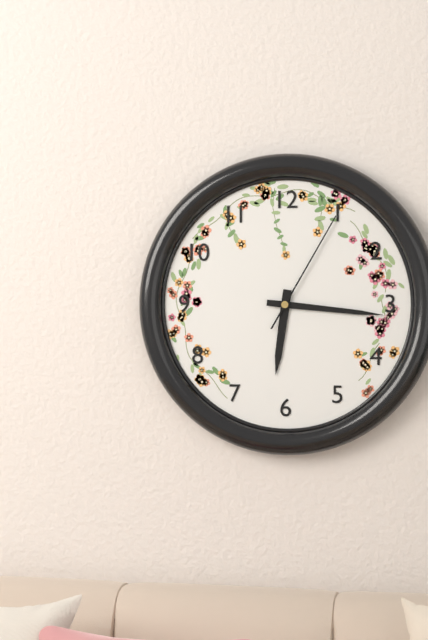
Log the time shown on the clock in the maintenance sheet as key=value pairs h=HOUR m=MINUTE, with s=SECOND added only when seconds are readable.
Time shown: h=6 m=16 s=5
